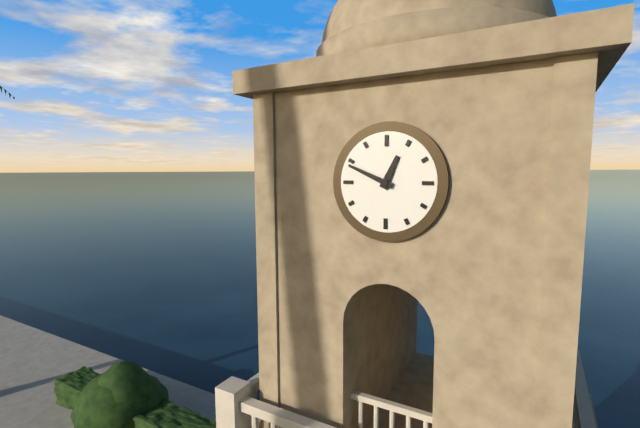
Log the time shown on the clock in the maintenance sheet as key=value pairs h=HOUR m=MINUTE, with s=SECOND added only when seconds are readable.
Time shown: h=12 m=49
